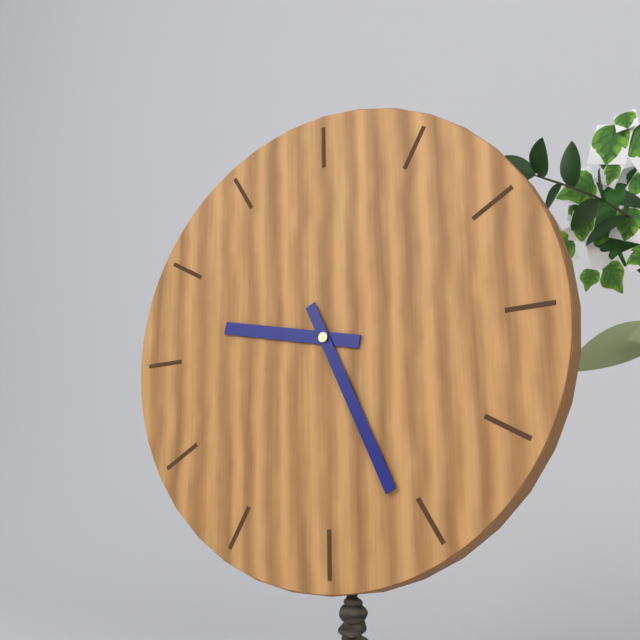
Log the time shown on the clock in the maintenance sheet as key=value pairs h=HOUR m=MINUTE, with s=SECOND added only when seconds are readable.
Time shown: h=9 m=26
